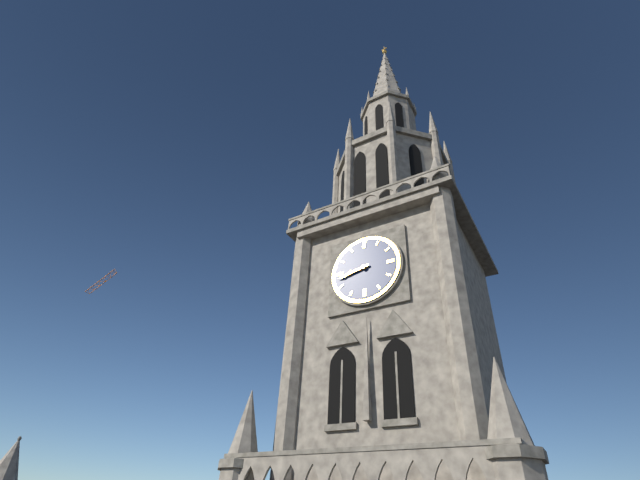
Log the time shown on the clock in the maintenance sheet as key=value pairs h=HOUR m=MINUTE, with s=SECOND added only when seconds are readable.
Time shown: h=8 m=43
